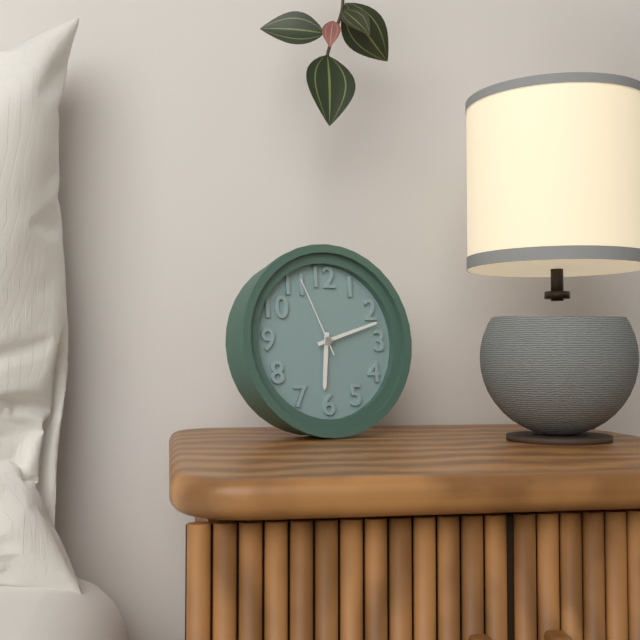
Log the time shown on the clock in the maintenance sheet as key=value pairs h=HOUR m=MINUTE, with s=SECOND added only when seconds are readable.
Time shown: h=6 m=12 s=56
